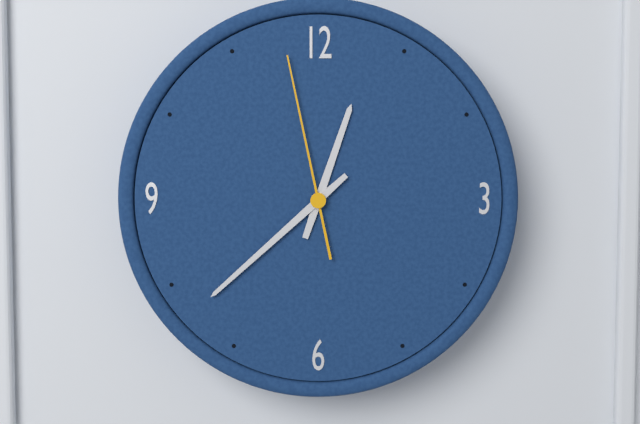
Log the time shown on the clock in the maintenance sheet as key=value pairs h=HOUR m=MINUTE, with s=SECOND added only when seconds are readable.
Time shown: h=12 m=38 s=58
